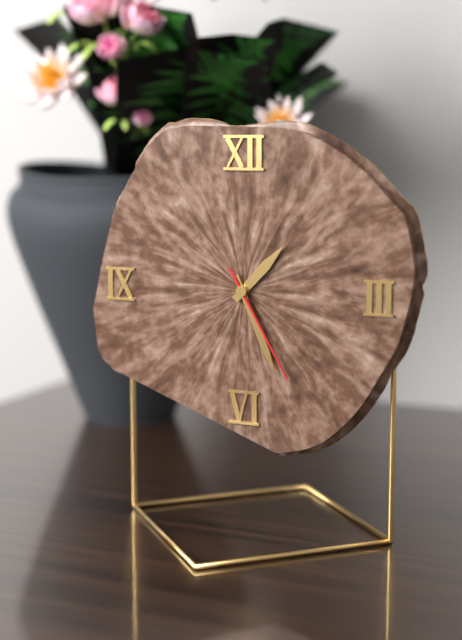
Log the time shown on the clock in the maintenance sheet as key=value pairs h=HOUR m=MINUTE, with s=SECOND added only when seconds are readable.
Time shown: h=1 m=26 s=25
